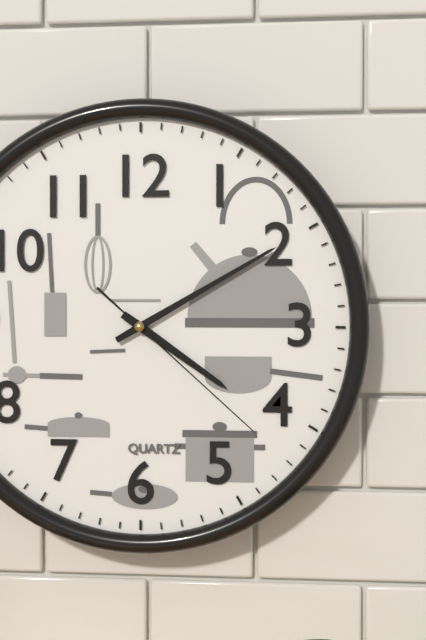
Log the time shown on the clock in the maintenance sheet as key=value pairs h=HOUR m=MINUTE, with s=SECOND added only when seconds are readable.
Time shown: h=4 m=10 s=22
